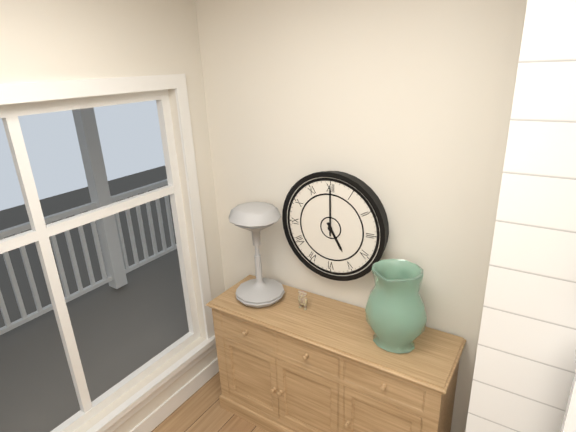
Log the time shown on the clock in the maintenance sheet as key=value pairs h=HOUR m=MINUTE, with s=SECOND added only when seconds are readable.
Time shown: h=5 m=0
